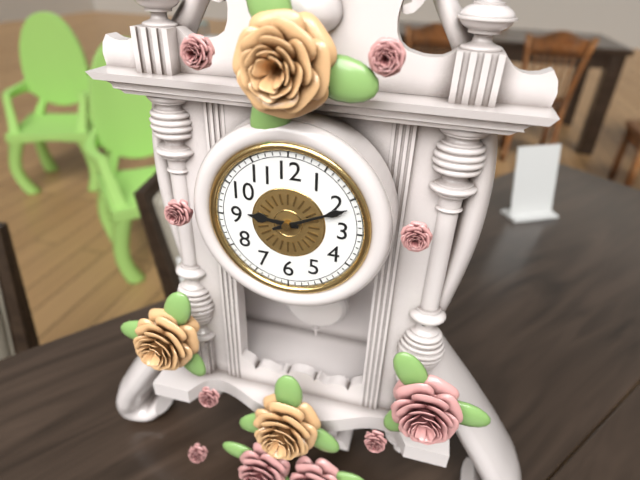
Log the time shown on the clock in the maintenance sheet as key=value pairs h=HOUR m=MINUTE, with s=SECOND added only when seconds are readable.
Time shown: h=9 m=11
